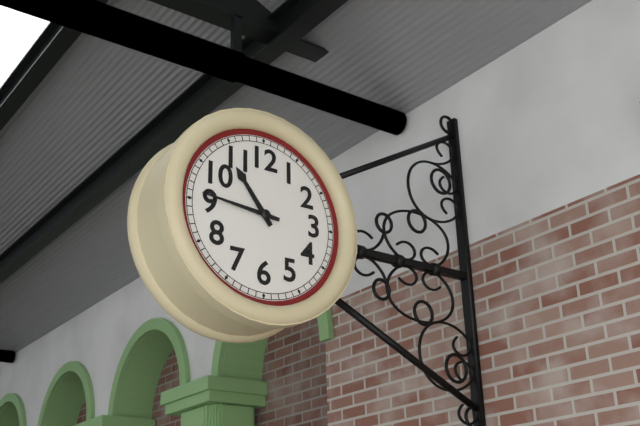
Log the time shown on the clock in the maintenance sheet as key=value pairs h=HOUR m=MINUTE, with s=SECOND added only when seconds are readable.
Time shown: h=10 m=46
